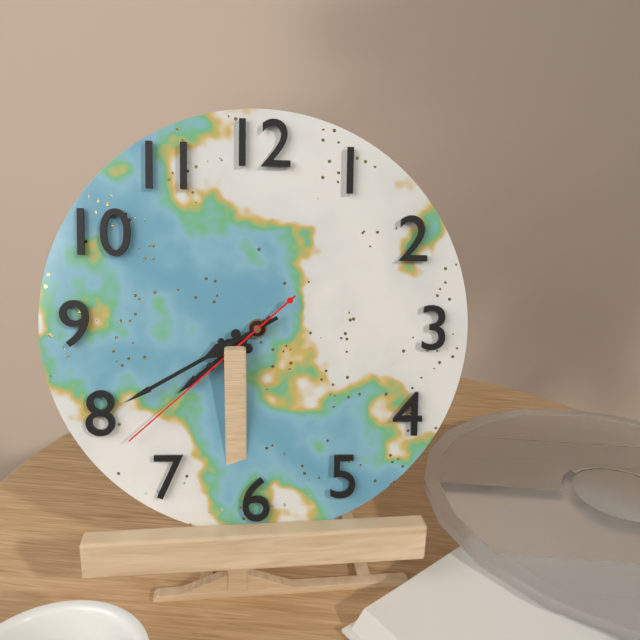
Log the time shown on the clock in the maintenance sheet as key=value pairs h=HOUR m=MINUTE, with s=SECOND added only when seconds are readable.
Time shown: h=7 m=40 s=38
